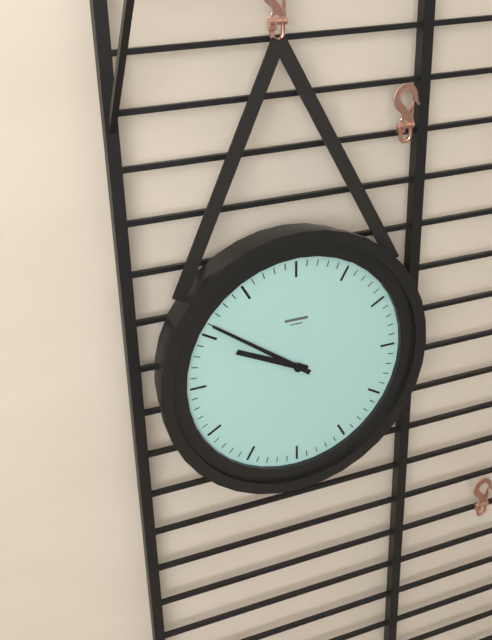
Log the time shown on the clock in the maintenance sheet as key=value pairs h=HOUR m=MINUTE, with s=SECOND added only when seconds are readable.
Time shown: h=9 m=51
